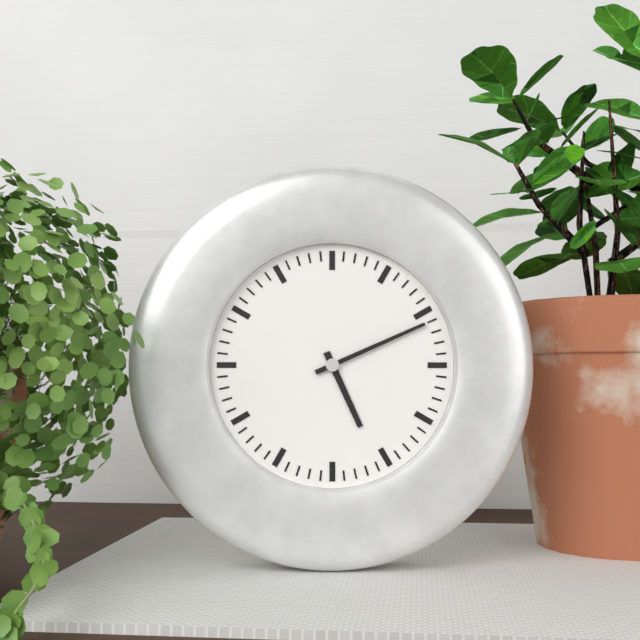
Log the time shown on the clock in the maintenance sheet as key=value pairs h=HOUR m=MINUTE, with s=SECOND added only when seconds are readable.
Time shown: h=5 m=11
